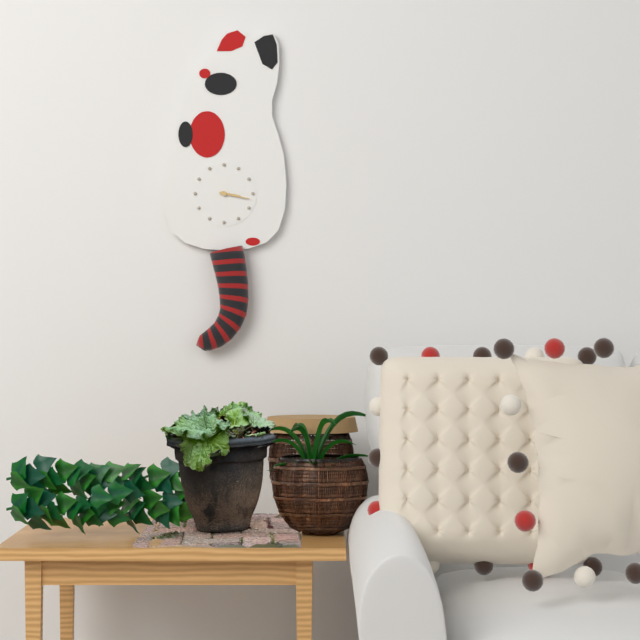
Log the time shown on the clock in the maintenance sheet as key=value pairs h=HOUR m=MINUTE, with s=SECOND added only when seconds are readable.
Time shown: h=3 m=17
